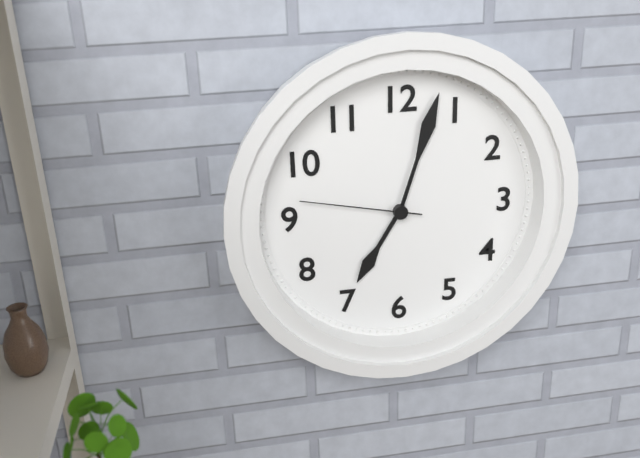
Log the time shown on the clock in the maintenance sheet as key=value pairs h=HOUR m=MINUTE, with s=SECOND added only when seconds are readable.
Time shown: h=7 m=3 s=47
